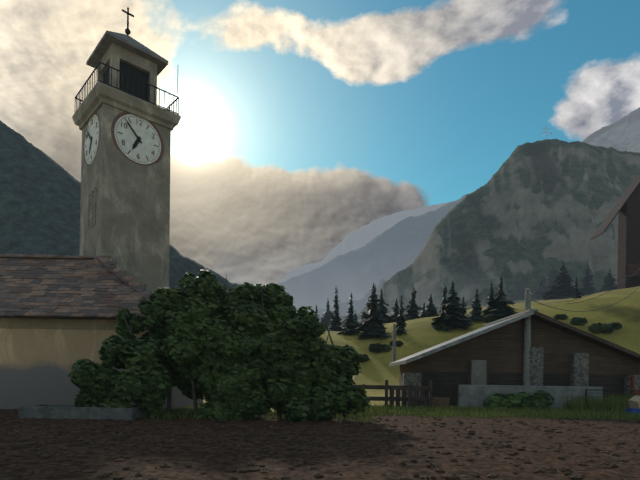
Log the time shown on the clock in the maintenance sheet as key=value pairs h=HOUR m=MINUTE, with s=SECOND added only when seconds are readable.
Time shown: h=6 m=53
